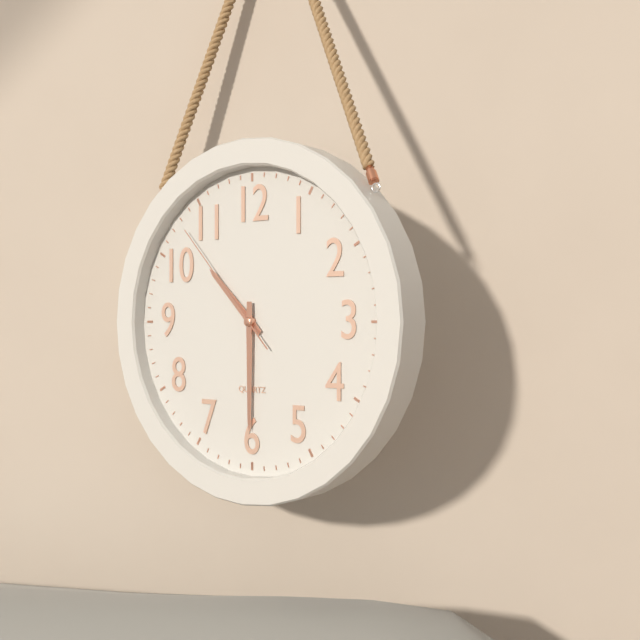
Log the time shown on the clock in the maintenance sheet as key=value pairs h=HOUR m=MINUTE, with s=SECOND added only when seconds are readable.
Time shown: h=10 m=30 s=53
